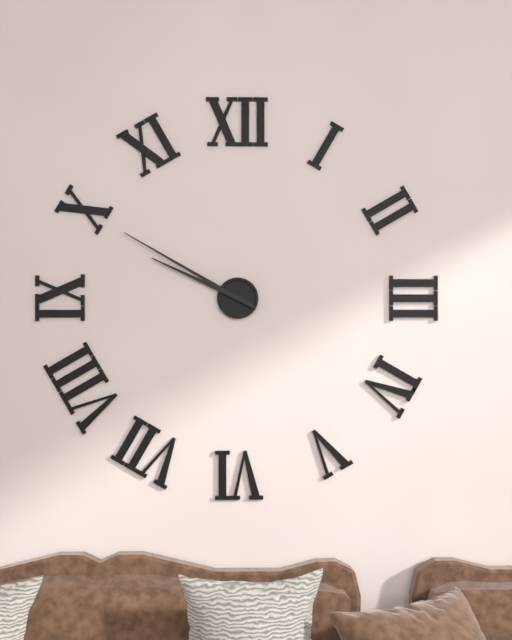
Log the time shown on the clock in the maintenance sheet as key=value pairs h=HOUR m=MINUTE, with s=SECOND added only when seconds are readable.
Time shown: h=9 m=50
